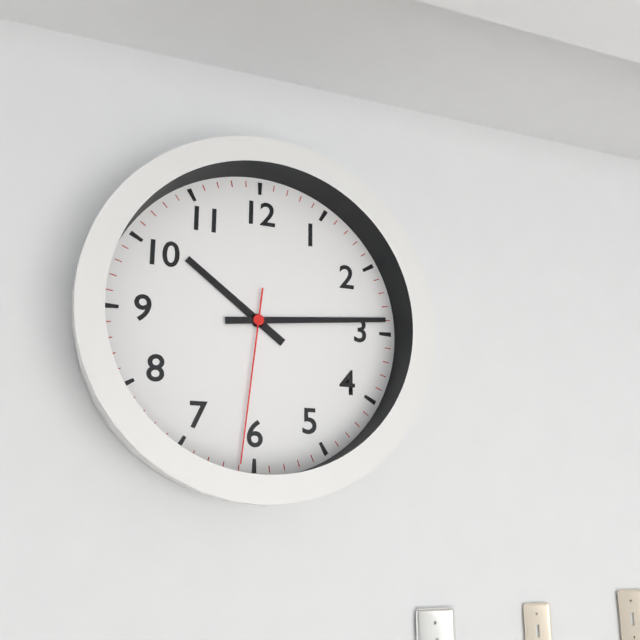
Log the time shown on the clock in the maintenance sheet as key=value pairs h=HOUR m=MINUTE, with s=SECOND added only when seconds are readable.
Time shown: h=10 m=14 s=31
